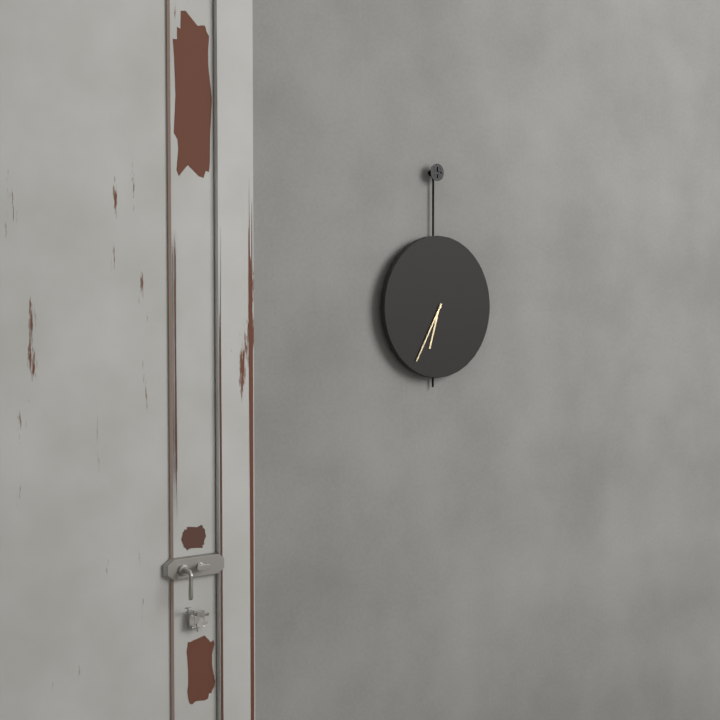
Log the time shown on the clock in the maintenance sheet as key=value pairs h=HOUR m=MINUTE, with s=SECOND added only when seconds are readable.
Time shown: h=6 m=35
